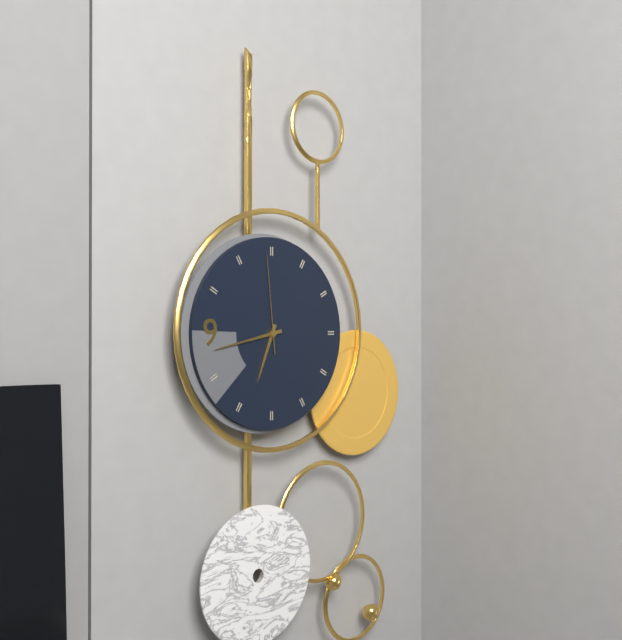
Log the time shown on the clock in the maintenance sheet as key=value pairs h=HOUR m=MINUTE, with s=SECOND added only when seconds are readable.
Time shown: h=6 m=43 s=59
